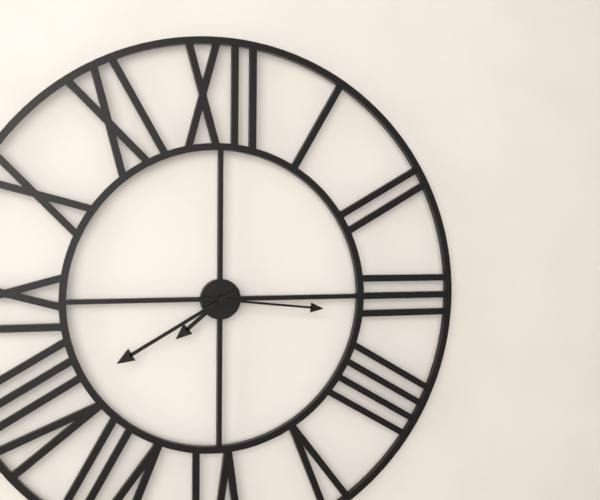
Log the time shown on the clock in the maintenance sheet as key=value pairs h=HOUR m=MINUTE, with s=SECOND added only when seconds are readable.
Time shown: h=7 m=40 s=16
